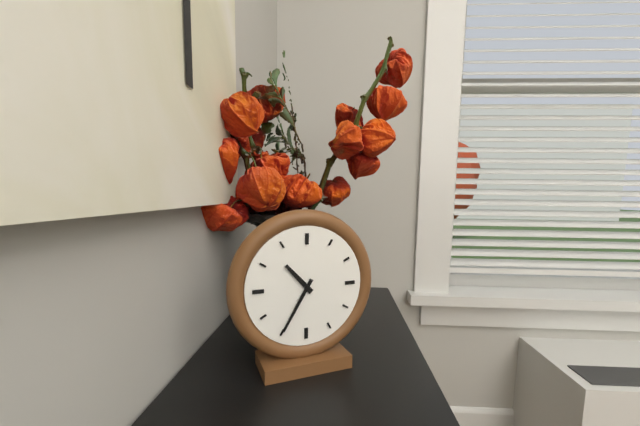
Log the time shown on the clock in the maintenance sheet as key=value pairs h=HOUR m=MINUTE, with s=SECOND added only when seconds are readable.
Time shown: h=10 m=35
